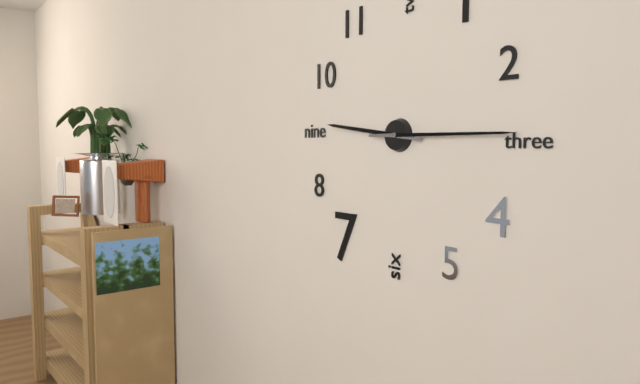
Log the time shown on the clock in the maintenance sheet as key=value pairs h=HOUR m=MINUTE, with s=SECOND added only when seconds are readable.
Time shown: h=9 m=15
